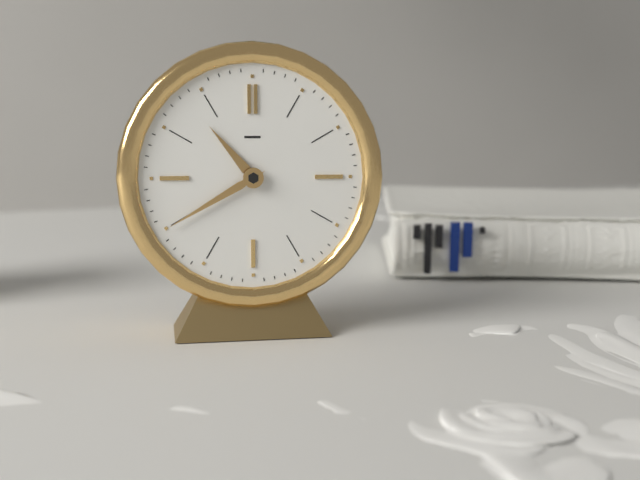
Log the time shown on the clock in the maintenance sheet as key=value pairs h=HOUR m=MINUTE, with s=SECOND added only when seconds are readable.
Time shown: h=10 m=40
